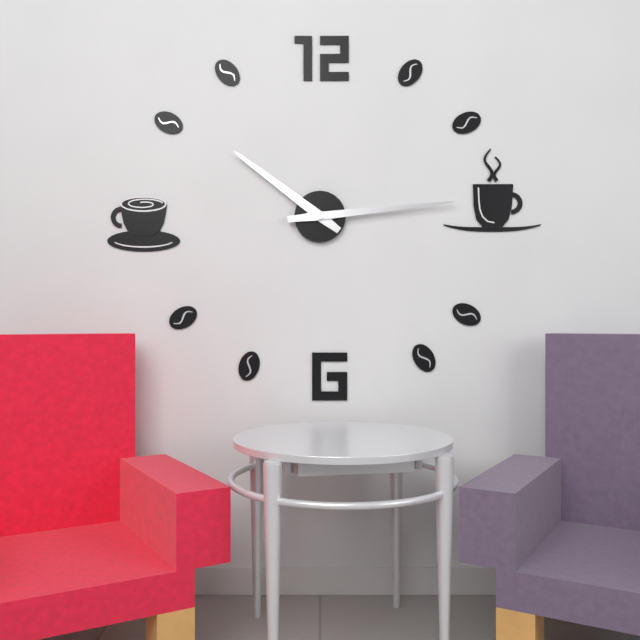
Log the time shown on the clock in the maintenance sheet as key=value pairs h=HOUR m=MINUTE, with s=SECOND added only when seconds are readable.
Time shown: h=10 m=14
